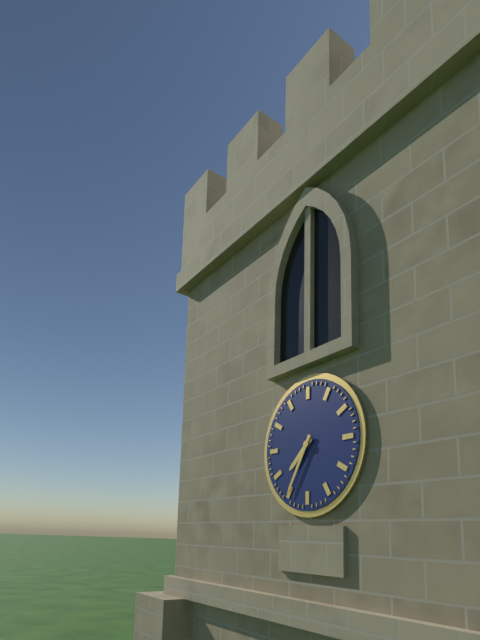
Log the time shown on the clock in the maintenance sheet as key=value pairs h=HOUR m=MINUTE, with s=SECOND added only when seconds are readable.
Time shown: h=7 m=35
